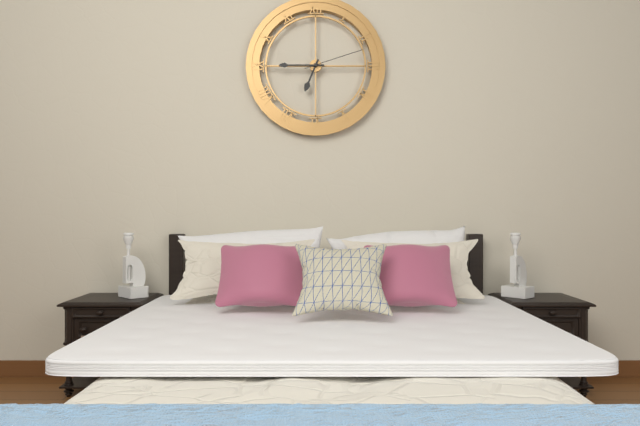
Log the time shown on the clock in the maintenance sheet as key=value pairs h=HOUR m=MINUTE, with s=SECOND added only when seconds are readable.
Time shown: h=6 m=45 s=12
